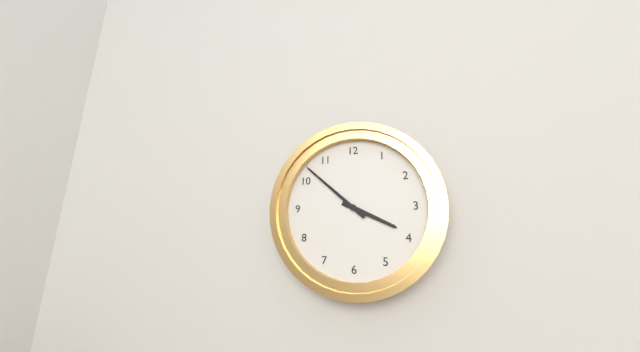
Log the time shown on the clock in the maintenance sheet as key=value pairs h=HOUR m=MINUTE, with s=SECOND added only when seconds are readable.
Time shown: h=3 m=52
